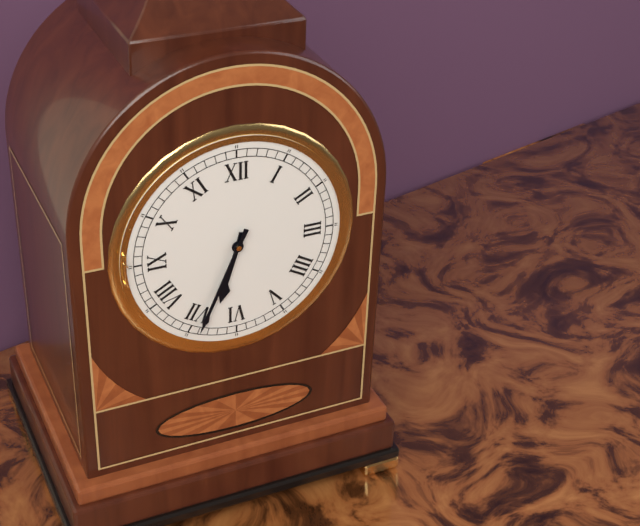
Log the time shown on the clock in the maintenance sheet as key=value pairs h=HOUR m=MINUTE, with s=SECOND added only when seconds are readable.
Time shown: h=6 m=34
